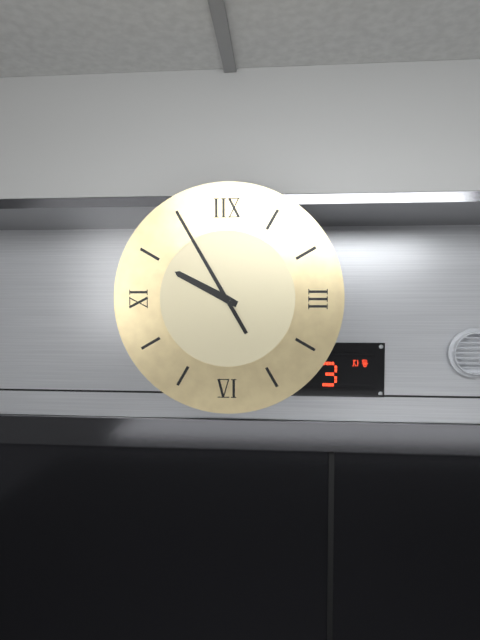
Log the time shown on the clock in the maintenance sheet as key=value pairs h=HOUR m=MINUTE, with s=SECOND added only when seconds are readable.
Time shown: h=9 m=55
